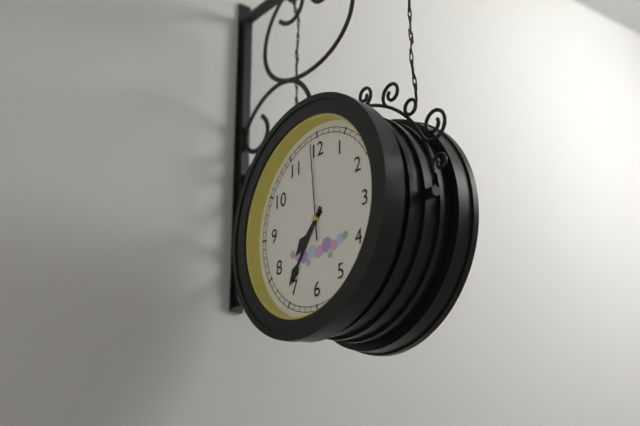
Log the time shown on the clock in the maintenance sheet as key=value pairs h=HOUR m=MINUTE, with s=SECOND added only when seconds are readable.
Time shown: h=7 m=36 s=59
